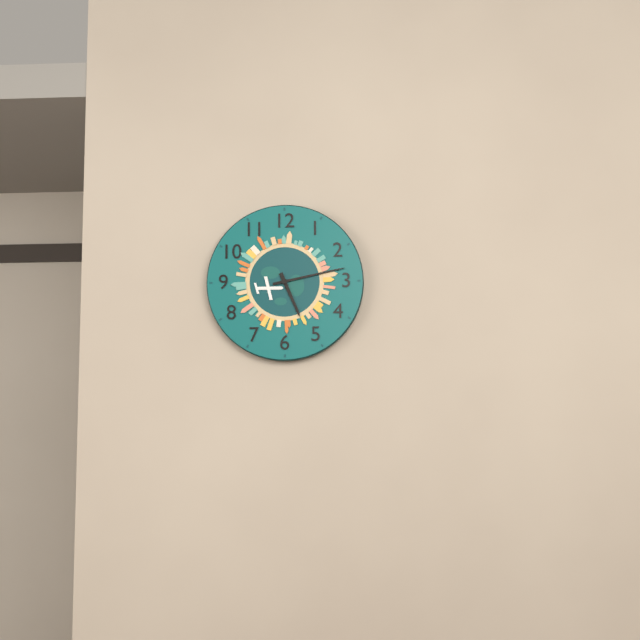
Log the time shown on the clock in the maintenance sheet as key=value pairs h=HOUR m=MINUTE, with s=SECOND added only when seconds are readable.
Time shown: h=5 m=13
